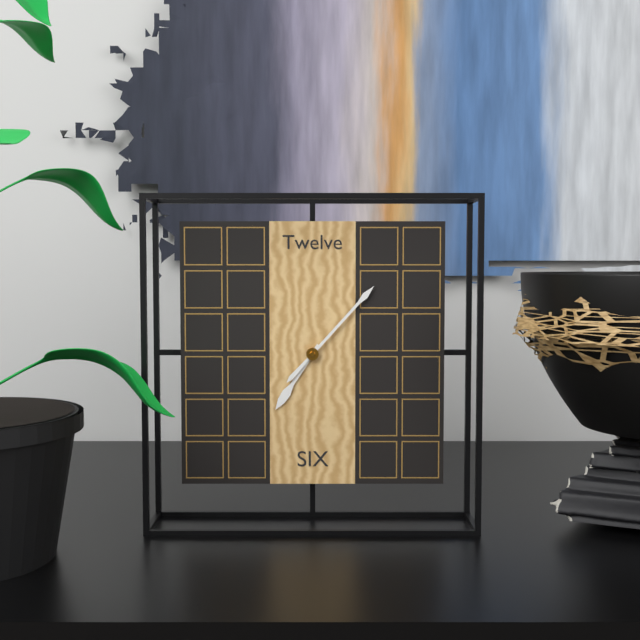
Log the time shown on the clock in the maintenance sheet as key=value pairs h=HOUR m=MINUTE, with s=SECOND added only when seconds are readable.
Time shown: h=7 m=7
